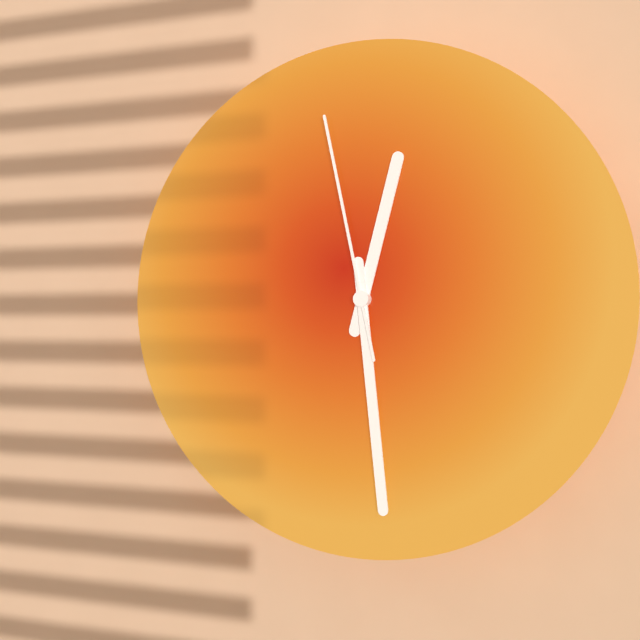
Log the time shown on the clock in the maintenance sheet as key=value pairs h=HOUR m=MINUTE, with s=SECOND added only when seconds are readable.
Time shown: h=12 m=29 s=58
